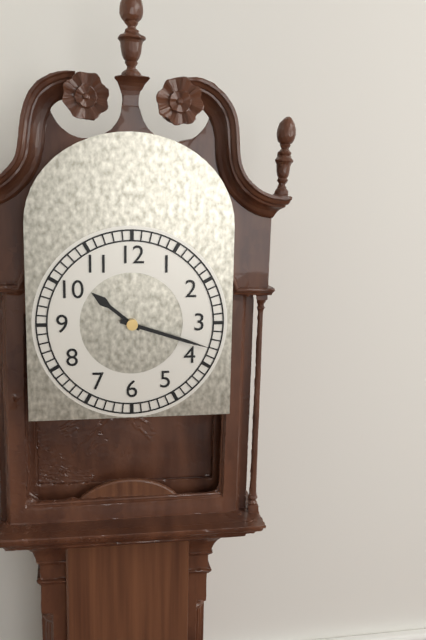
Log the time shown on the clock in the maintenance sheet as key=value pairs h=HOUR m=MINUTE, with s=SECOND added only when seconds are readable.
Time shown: h=10 m=18
